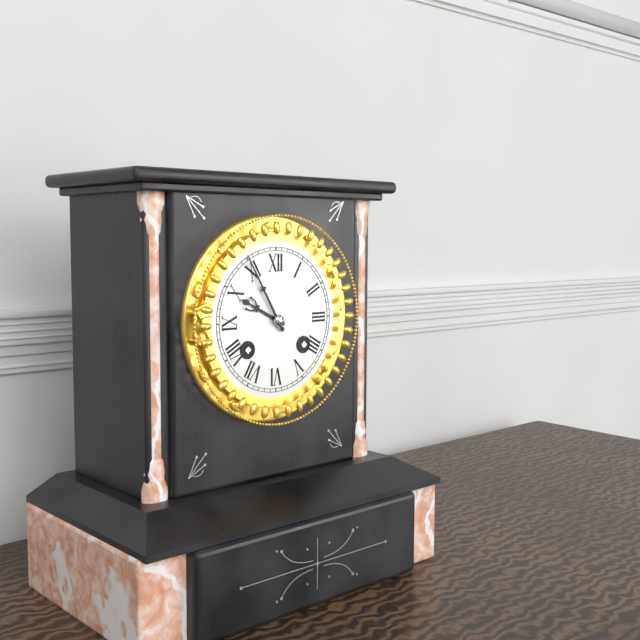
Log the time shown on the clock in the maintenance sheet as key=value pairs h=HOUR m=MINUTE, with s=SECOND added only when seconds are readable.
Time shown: h=9 m=55
